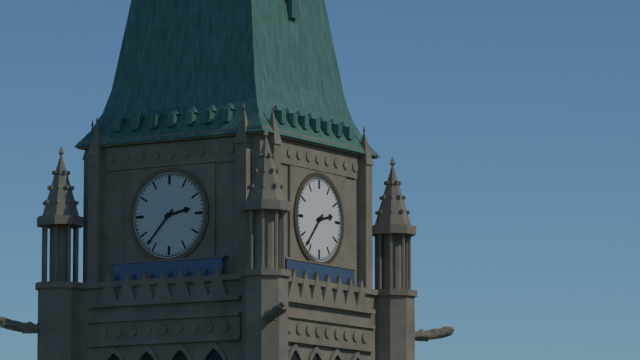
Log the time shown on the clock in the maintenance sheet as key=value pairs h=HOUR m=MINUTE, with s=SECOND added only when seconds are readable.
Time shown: h=2 m=37
